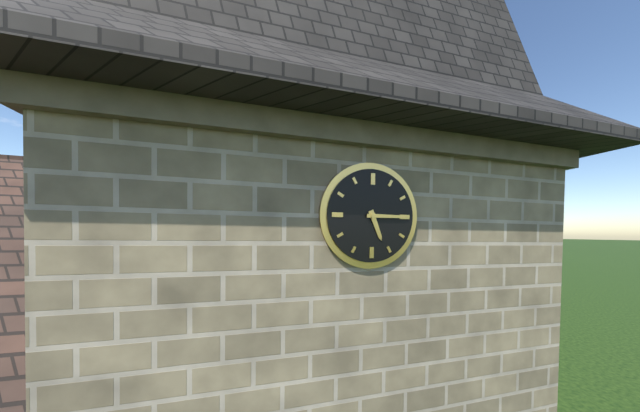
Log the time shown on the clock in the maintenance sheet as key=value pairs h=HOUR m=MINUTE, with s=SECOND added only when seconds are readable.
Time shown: h=5 m=15
